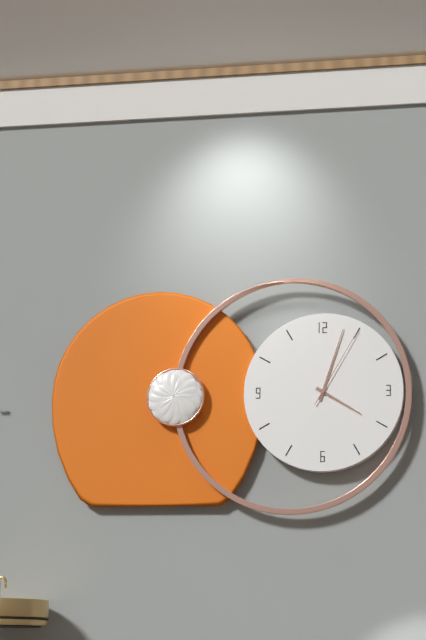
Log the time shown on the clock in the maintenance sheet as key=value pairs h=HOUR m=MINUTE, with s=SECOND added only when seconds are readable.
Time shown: h=4 m=3 s=5
